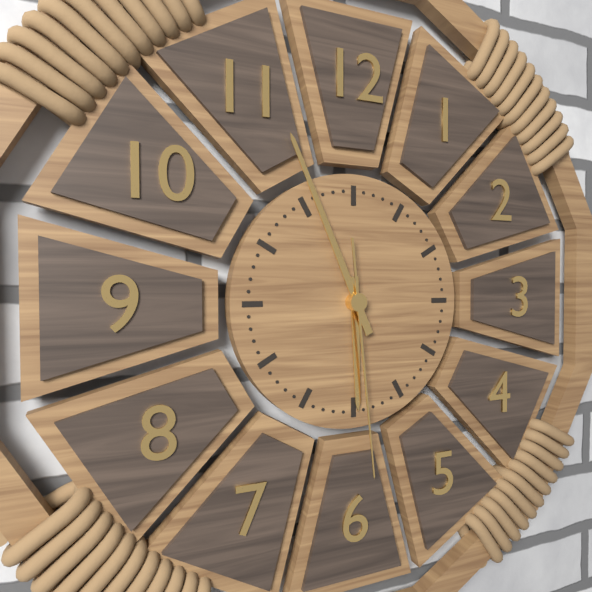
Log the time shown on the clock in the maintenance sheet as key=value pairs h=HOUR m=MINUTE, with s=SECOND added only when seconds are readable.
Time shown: h=5 m=56 s=29
